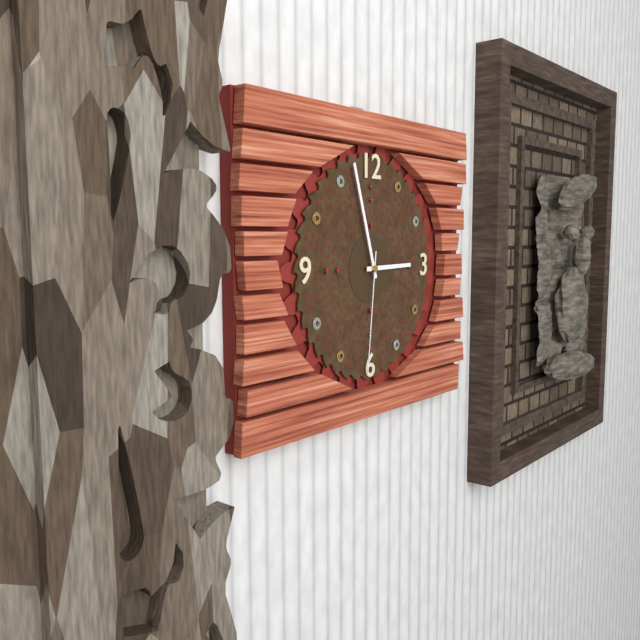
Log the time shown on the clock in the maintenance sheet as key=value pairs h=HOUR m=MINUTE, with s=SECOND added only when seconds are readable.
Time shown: h=2 m=57 s=31
